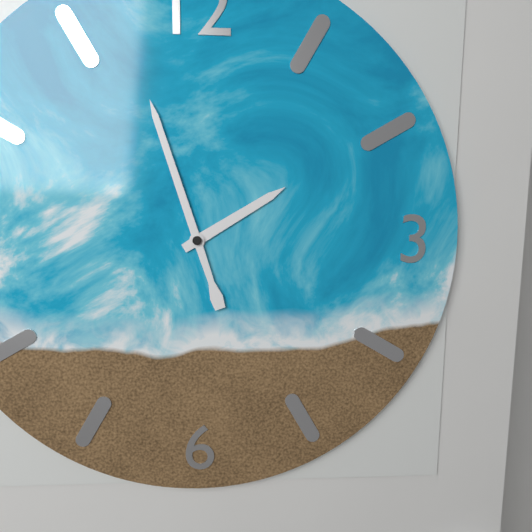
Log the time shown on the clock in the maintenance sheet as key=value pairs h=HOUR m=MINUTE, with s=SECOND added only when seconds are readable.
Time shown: h=1 m=57
